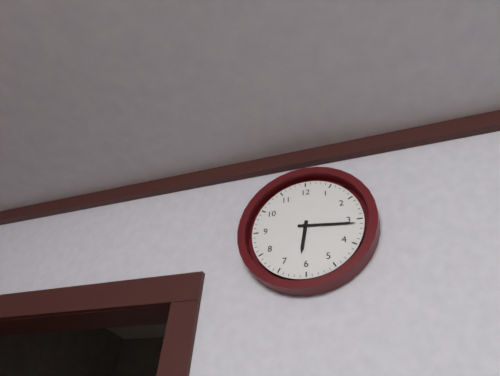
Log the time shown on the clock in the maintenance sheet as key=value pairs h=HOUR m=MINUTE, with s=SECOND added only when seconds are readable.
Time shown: h=6 m=16
